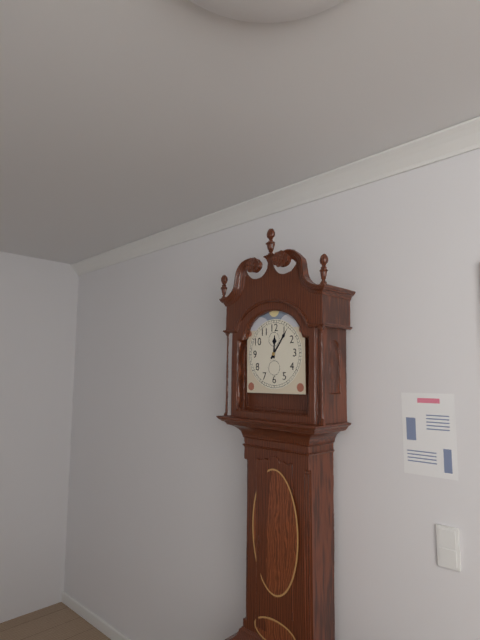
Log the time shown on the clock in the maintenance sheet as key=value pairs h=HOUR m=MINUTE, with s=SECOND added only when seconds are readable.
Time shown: h=12 m=6
